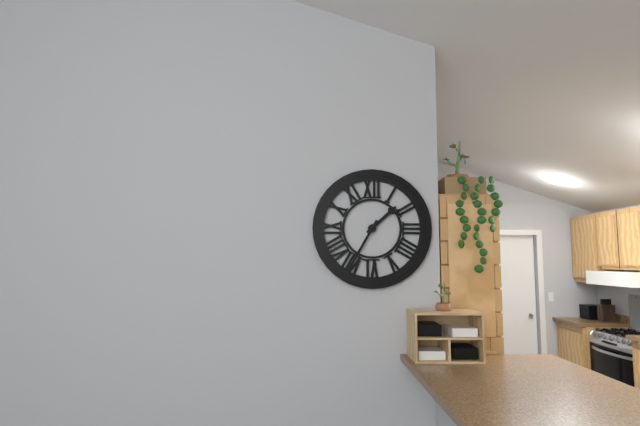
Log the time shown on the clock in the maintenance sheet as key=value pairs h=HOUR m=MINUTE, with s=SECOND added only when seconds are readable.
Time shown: h=1 m=35
